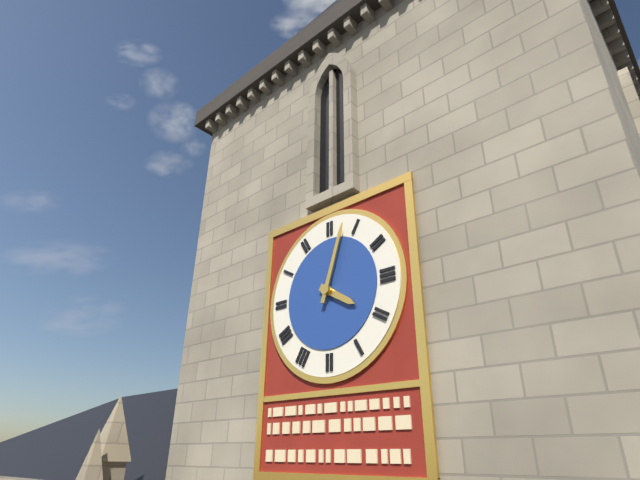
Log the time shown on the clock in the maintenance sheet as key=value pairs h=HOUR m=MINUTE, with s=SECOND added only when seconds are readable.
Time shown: h=4 m=3
